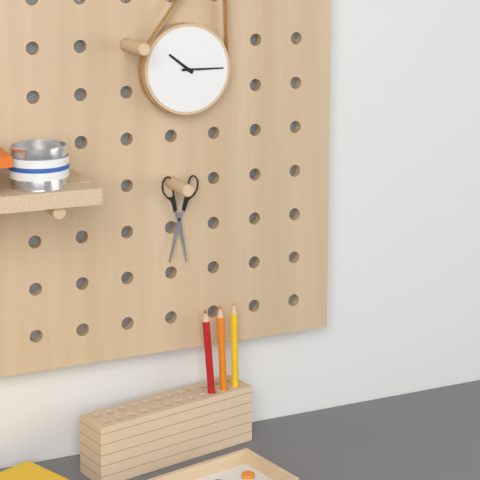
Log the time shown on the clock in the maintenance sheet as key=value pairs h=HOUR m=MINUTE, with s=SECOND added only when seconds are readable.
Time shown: h=10 m=15
